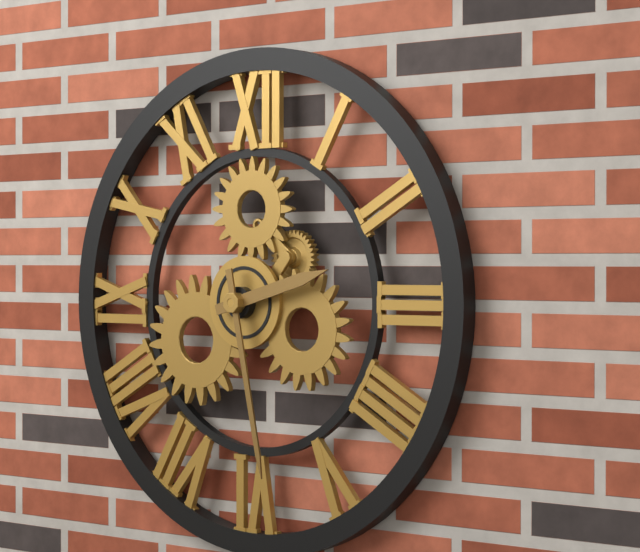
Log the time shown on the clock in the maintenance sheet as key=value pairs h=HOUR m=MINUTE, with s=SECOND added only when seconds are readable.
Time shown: h=2 m=28
